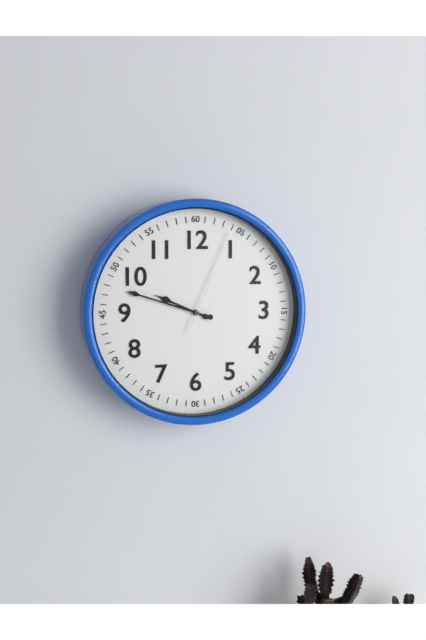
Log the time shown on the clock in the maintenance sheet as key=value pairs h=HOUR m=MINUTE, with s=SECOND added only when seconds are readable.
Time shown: h=9 m=48 s=4
